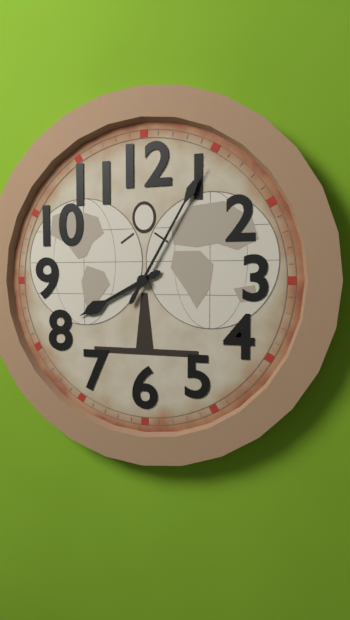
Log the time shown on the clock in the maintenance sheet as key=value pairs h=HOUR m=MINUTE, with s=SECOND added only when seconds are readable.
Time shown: h=8 m=5
